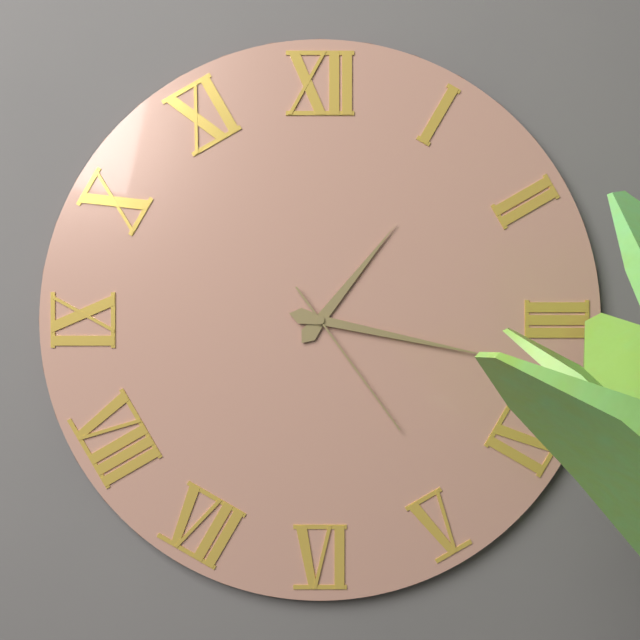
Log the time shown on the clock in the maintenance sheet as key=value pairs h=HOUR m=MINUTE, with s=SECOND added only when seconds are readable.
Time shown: h=1 m=17 s=24
